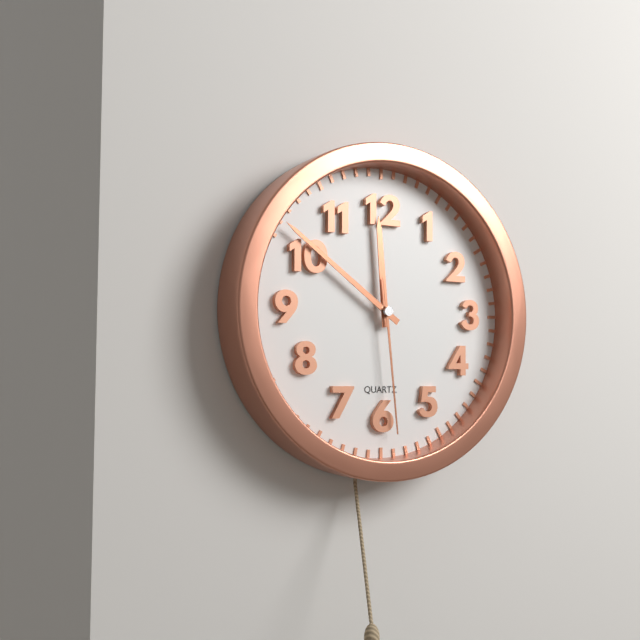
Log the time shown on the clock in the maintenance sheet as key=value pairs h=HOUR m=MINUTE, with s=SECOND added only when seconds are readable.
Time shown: h=11 m=51 s=29
